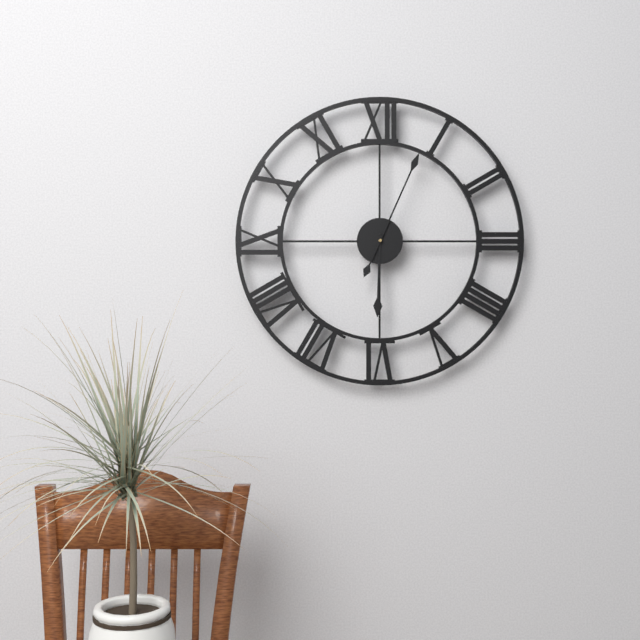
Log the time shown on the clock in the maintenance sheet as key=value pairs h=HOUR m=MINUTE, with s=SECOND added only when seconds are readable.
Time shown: h=6 m=4
